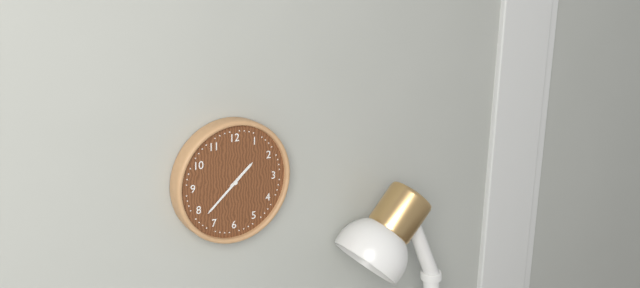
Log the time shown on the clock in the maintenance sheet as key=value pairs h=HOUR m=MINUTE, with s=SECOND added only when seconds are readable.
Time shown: h=1 m=38
